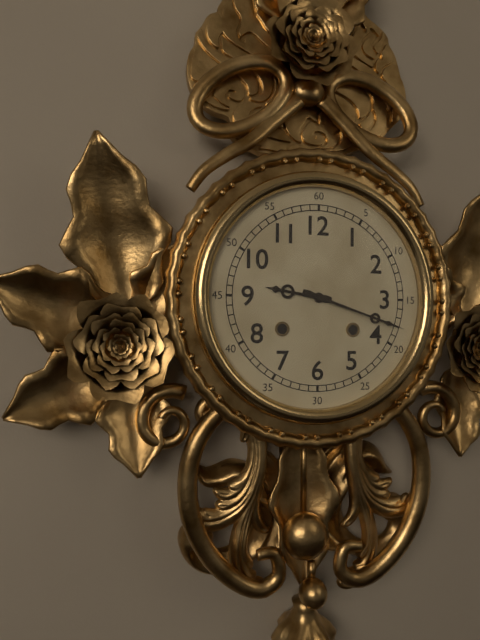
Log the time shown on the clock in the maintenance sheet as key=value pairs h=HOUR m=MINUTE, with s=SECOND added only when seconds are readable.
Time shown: h=9 m=18
